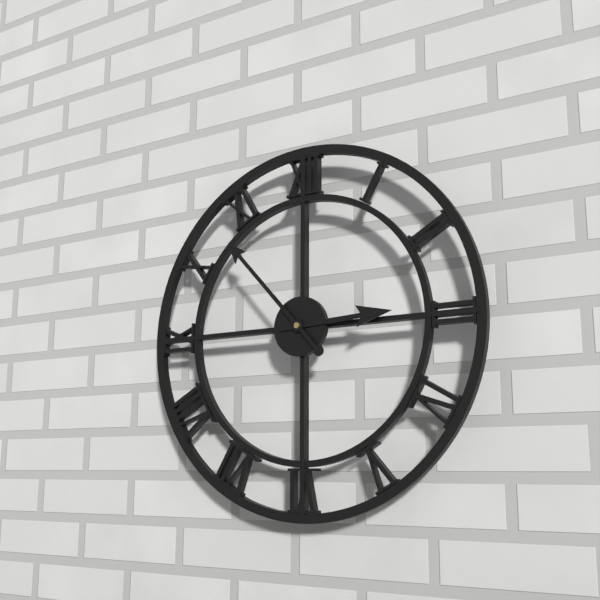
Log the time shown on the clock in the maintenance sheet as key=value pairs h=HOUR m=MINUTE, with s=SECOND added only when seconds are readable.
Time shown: h=2 m=53
